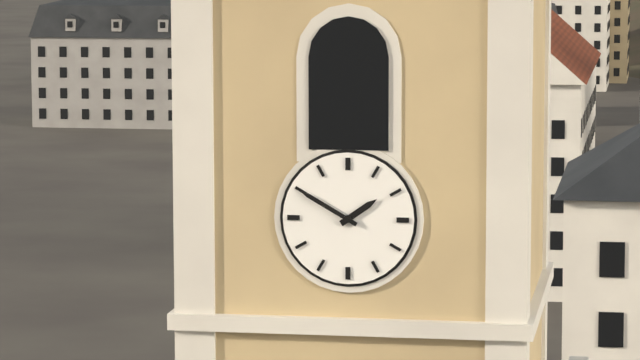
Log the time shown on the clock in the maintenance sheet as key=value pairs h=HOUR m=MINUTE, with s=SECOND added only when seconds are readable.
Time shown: h=1 m=50
